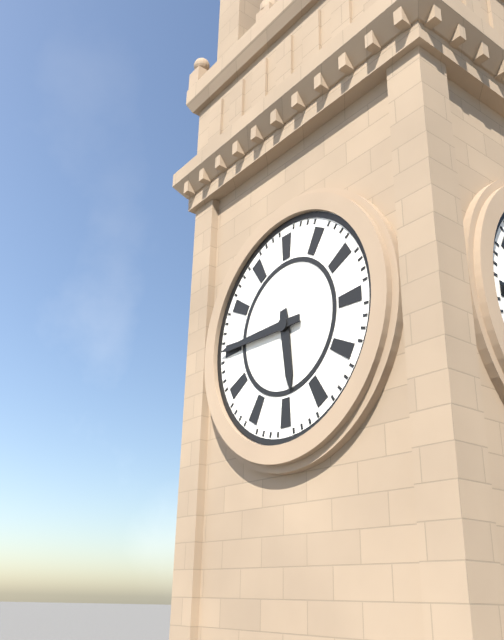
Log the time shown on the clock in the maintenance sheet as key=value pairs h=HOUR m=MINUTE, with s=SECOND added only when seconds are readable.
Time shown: h=5 m=45
